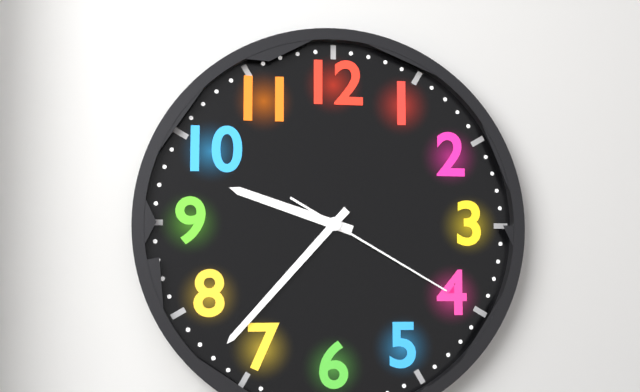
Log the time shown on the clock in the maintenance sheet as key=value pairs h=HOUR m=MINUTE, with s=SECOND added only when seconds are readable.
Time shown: h=9 m=37 s=20
